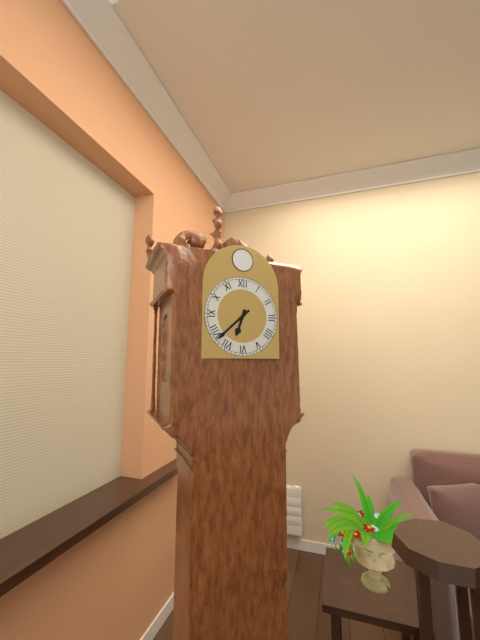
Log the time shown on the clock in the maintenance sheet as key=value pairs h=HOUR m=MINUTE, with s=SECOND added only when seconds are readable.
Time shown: h=6 m=38
